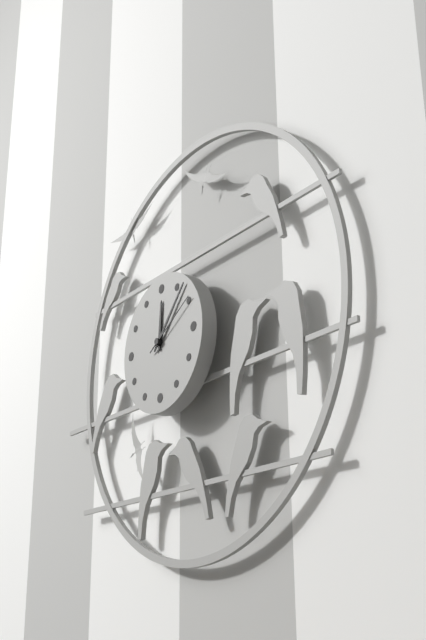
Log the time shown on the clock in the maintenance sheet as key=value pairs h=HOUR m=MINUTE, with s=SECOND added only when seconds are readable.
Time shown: h=12 m=7 s=10
